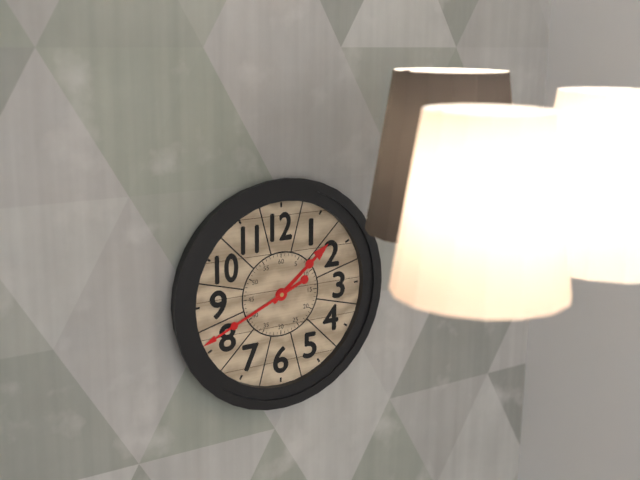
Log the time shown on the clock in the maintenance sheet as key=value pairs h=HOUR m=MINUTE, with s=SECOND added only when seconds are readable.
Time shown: h=1 m=41
